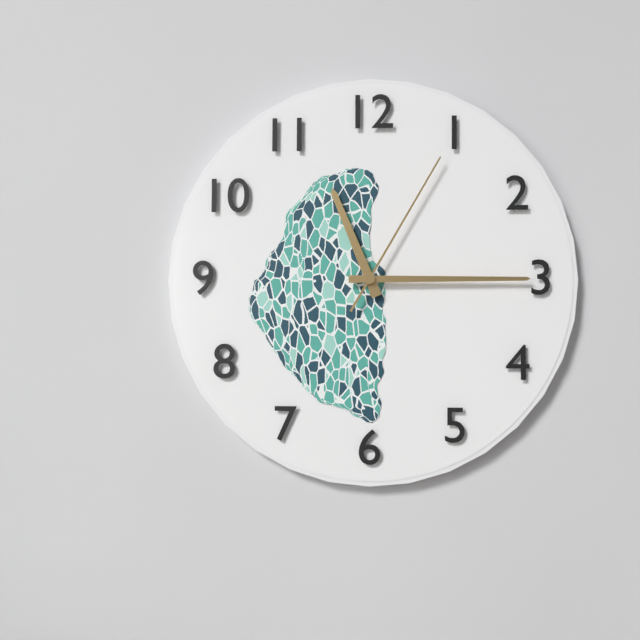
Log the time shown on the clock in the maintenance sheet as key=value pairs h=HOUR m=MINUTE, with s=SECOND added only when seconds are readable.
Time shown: h=11 m=15 s=5
